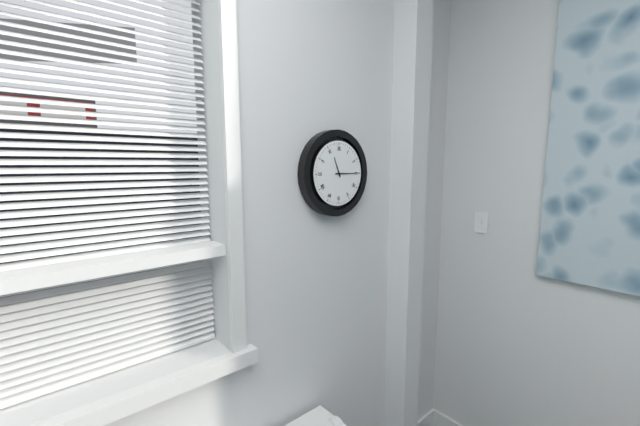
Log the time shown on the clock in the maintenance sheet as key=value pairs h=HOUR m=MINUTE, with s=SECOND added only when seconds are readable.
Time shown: h=11 m=15
